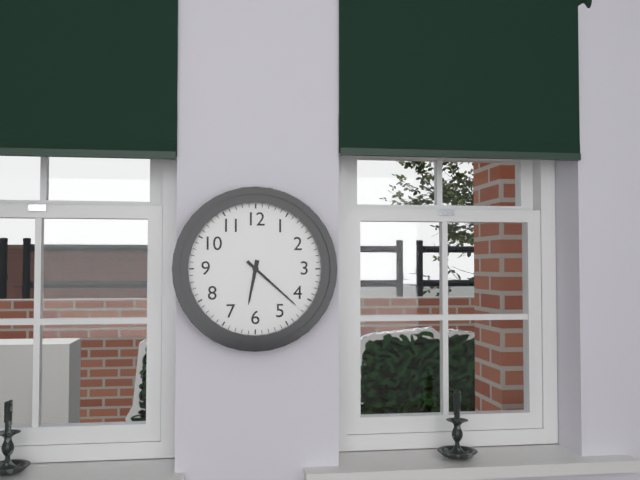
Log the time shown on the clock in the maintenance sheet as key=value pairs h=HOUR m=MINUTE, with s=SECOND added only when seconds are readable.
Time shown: h=6 m=22
